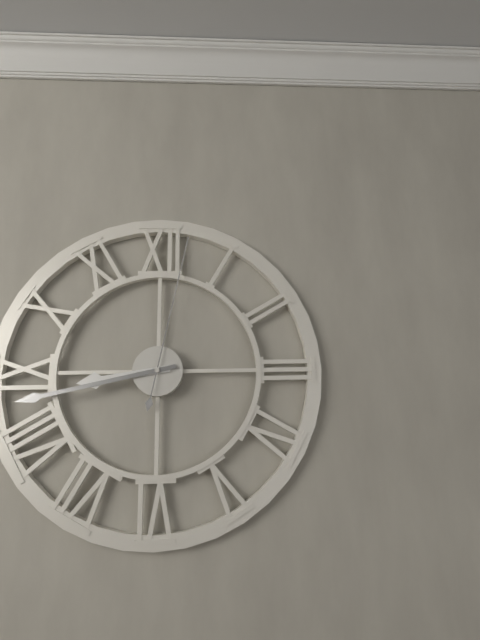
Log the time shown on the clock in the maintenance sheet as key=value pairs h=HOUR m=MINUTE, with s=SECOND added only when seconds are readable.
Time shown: h=8 m=43 s=2
